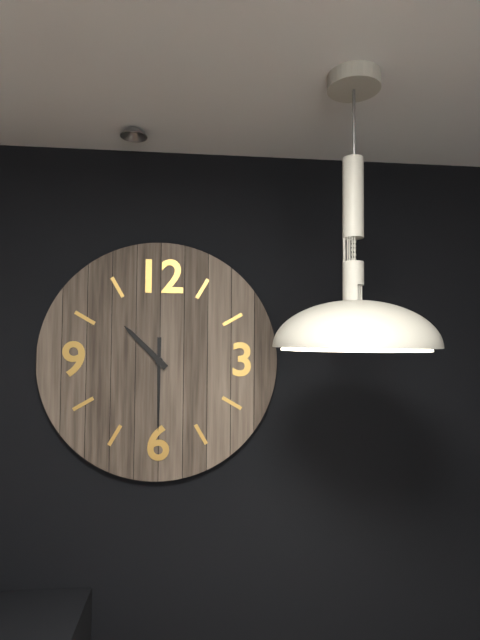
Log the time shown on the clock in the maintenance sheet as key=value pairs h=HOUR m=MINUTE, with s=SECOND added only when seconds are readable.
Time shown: h=10 m=30
